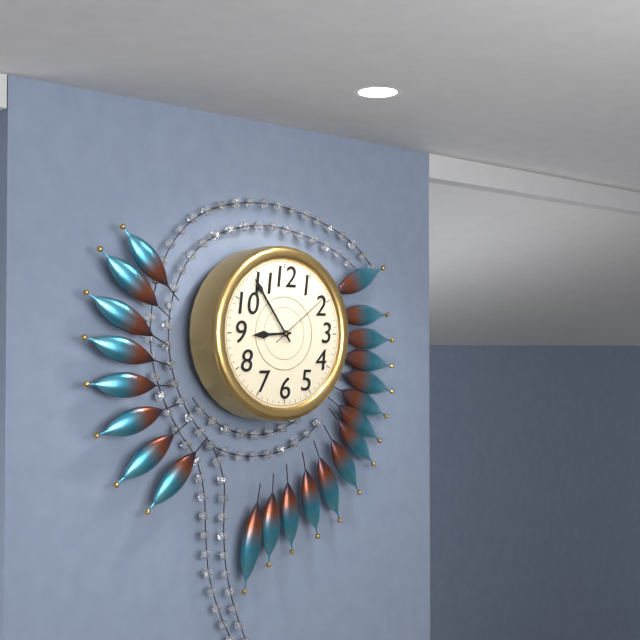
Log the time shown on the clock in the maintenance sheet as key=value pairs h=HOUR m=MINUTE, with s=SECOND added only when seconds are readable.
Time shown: h=8 m=54 s=9
